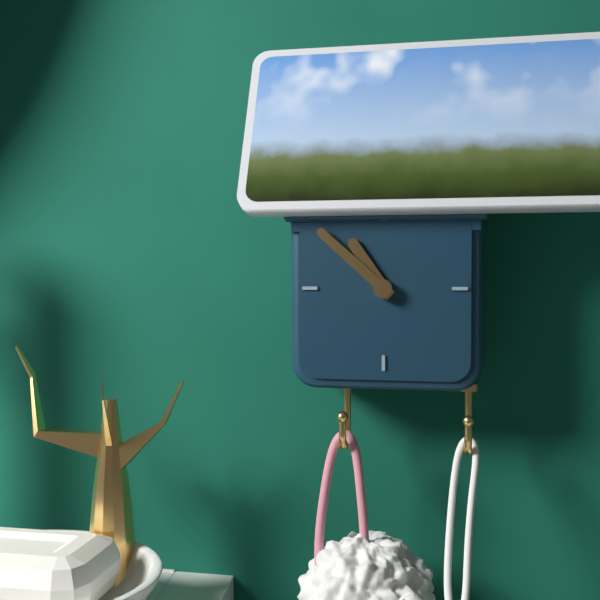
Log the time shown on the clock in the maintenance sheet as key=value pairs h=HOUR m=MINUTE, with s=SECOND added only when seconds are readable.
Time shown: h=10 m=52
